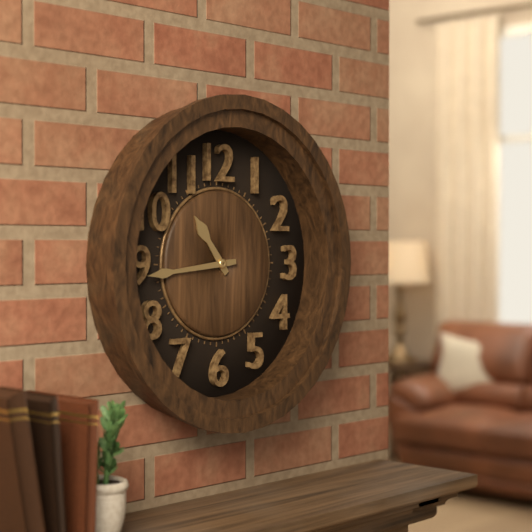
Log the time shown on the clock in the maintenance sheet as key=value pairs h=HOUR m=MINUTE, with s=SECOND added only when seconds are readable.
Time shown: h=10 m=44
